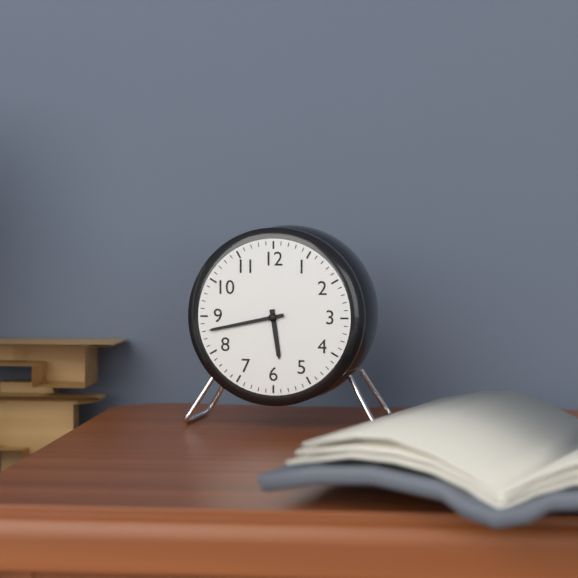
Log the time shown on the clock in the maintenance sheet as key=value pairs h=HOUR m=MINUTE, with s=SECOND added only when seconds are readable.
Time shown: h=5 m=43
